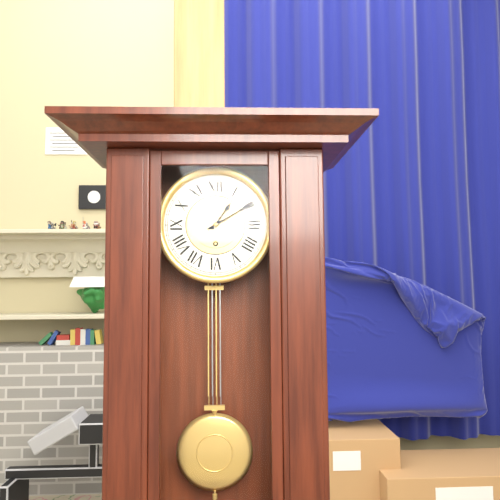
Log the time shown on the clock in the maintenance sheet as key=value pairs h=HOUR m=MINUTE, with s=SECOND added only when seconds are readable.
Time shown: h=1 m=10
